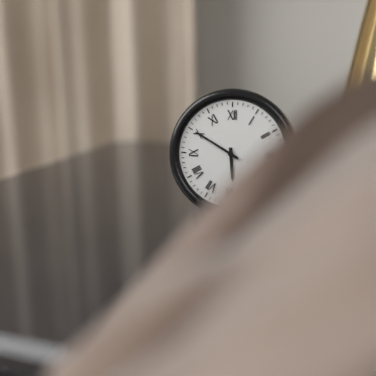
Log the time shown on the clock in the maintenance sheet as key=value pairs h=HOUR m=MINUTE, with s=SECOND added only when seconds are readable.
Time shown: h=5 m=50
